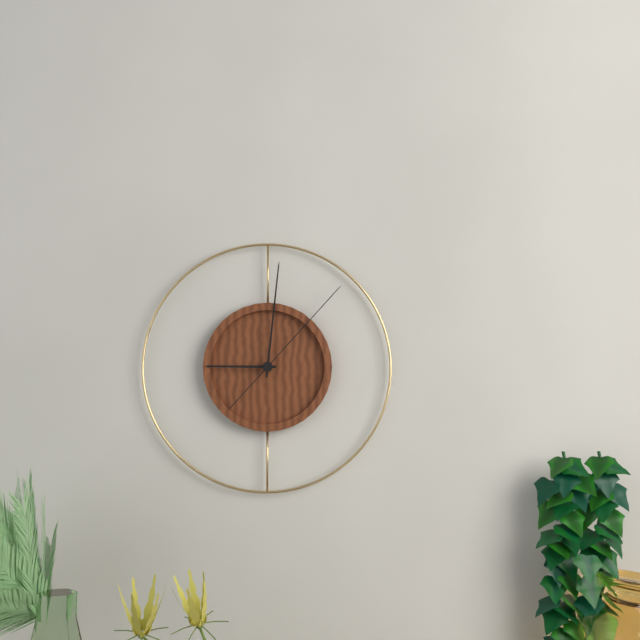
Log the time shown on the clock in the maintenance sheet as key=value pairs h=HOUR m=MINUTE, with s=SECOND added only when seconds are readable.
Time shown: h=9 m=1 s=7
